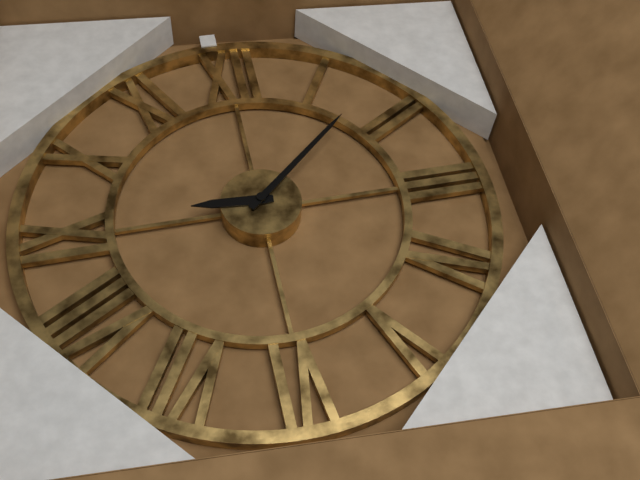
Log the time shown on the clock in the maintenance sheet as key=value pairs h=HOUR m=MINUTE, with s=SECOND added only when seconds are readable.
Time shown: h=9 m=8
